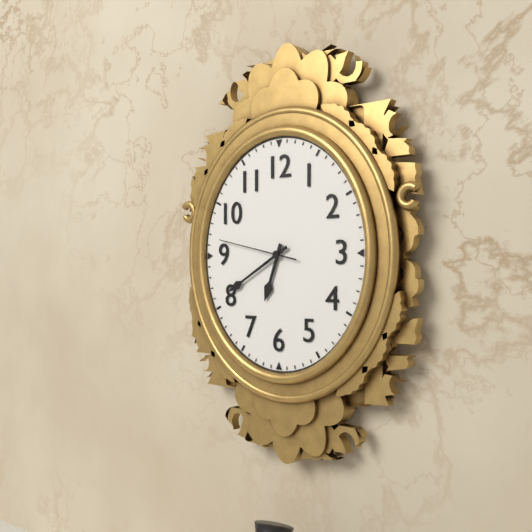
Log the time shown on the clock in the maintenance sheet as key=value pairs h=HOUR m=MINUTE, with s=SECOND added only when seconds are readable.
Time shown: h=6 m=40 s=47
